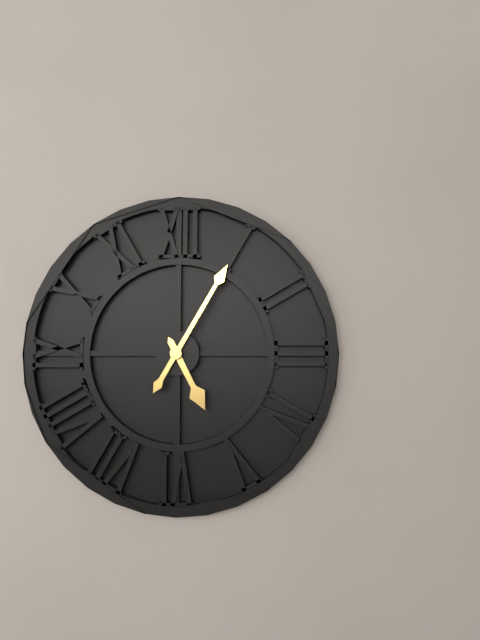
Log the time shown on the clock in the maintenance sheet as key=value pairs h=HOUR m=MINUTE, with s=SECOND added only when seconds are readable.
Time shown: h=5 m=5
